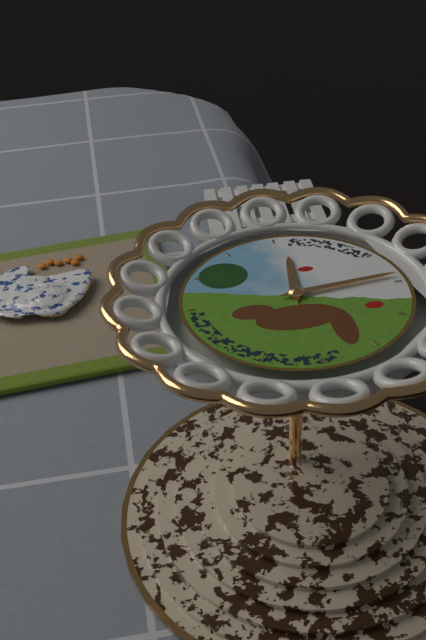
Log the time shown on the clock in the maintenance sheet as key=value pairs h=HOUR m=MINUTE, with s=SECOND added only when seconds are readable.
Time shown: h=12 m=14
